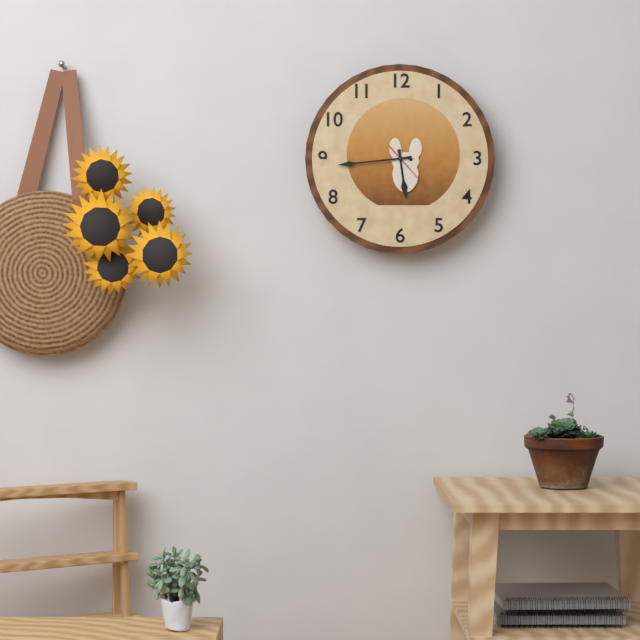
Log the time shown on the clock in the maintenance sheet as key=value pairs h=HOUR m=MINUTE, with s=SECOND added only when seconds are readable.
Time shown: h=5 m=44
